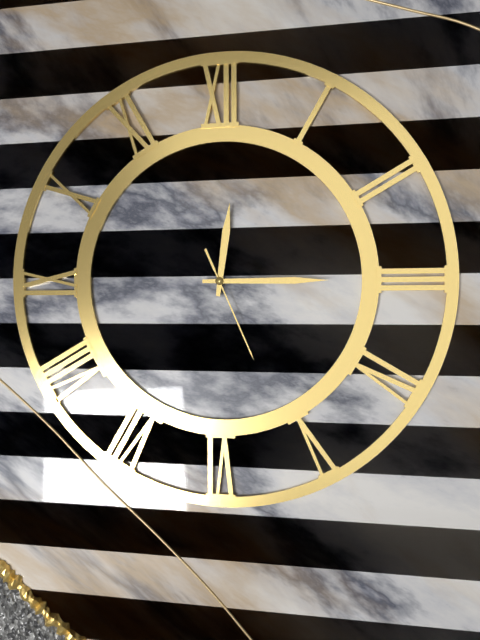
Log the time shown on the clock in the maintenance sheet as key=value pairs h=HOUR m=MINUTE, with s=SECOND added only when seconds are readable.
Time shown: h=12 m=15 s=26
